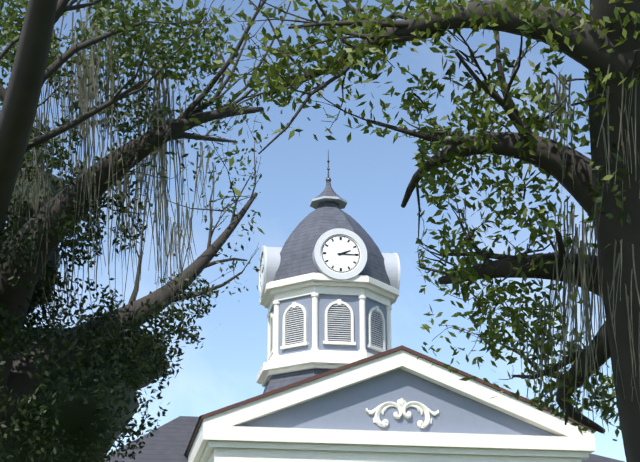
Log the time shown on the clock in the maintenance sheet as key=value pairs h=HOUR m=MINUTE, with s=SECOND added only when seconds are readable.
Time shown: h=2 m=15
